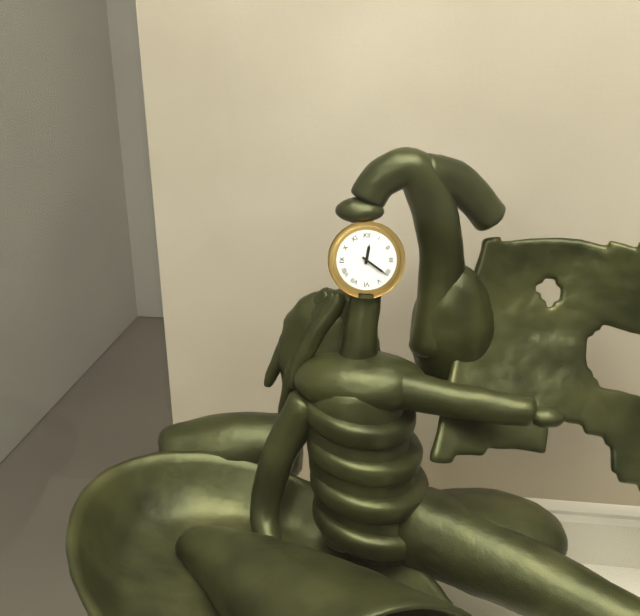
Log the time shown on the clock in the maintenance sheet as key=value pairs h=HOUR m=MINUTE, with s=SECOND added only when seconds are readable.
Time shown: h=12 m=21
